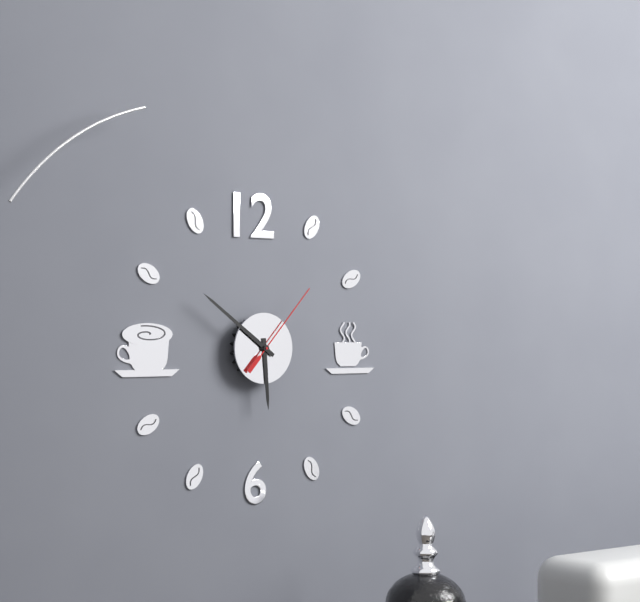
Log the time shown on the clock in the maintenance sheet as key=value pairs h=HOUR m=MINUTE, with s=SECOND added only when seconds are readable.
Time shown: h=5 m=51 s=7
